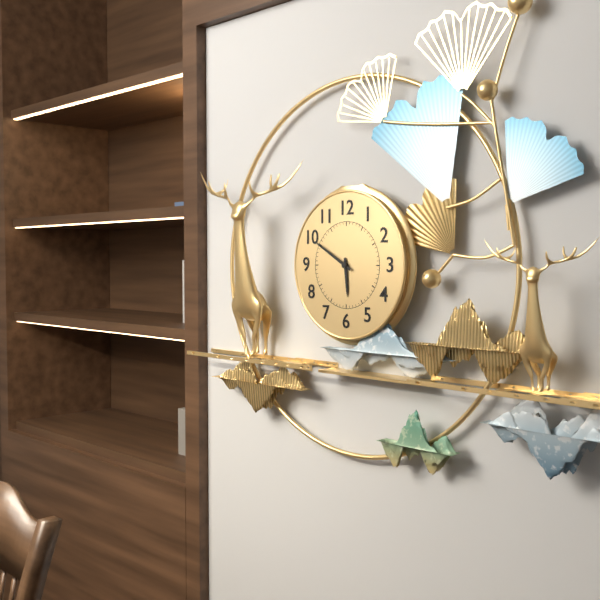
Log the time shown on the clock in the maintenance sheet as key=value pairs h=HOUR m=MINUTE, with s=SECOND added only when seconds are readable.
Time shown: h=5 m=50
